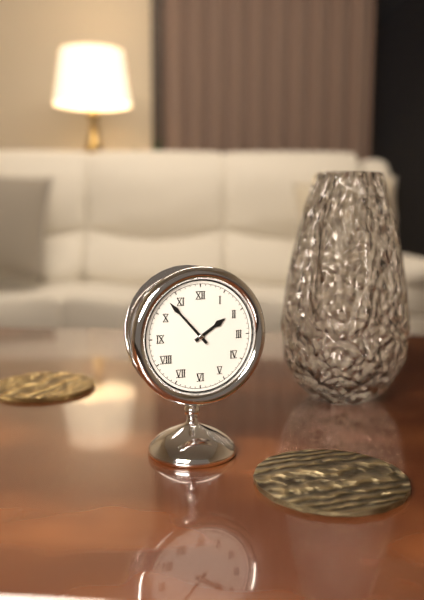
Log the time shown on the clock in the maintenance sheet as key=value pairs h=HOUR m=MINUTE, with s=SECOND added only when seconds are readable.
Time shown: h=1 m=53
